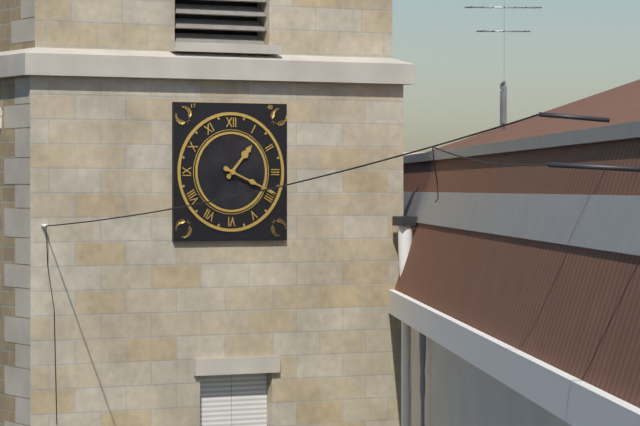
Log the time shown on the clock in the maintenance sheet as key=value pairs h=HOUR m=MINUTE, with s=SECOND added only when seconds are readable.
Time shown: h=1 m=19
